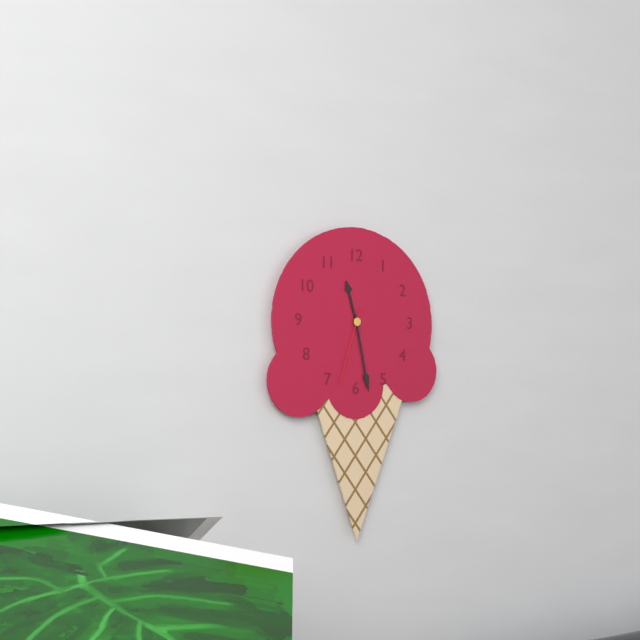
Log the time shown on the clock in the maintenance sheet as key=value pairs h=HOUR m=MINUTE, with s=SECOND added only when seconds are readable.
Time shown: h=11 m=28 s=33
